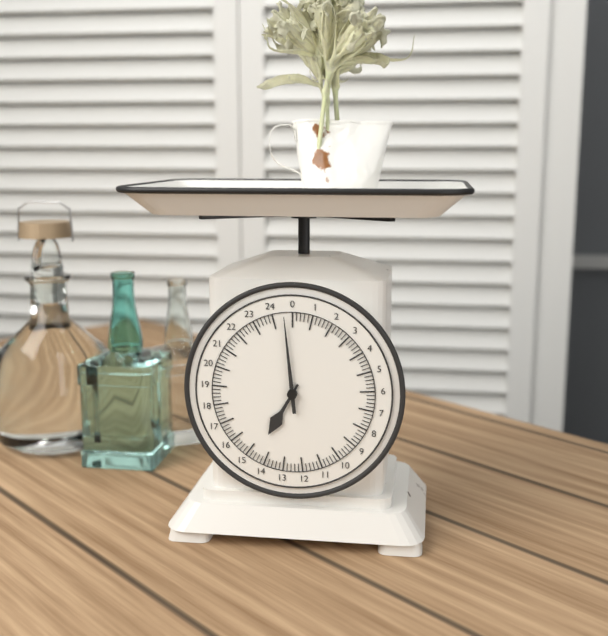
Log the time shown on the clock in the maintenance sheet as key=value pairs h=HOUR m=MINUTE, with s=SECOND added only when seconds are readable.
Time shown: h=6 m=59
